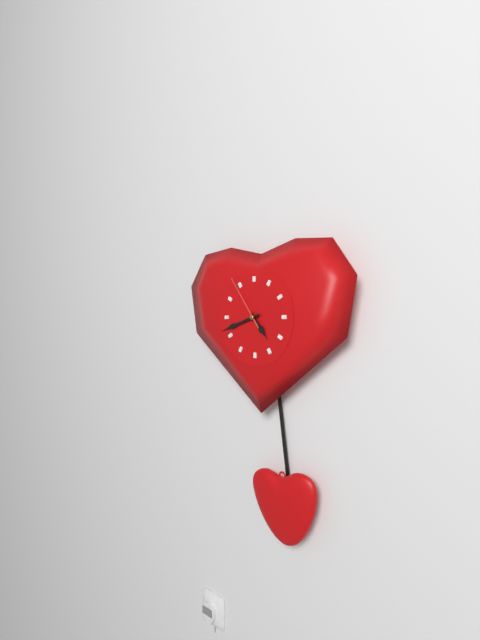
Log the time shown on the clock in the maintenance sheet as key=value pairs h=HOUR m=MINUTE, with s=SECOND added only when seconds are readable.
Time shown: h=4 m=42 s=54
